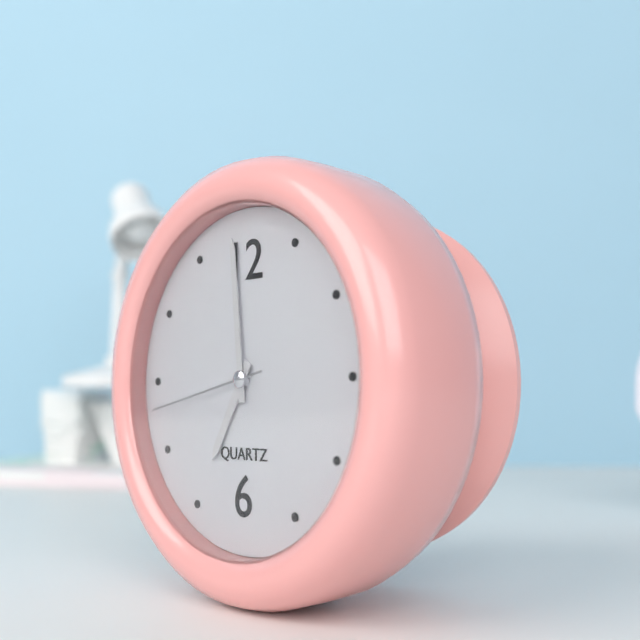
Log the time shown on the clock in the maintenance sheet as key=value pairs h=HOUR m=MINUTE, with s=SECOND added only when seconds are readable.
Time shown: h=6 m=59 s=43
